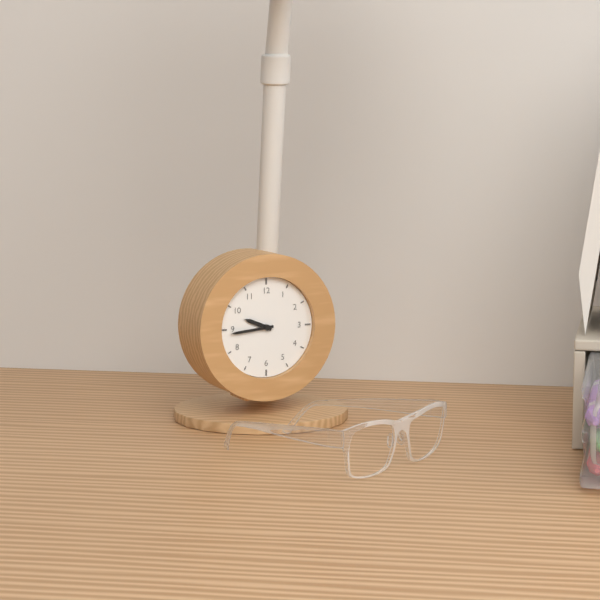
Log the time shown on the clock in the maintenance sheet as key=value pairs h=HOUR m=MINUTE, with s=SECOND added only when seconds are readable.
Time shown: h=9 m=44
